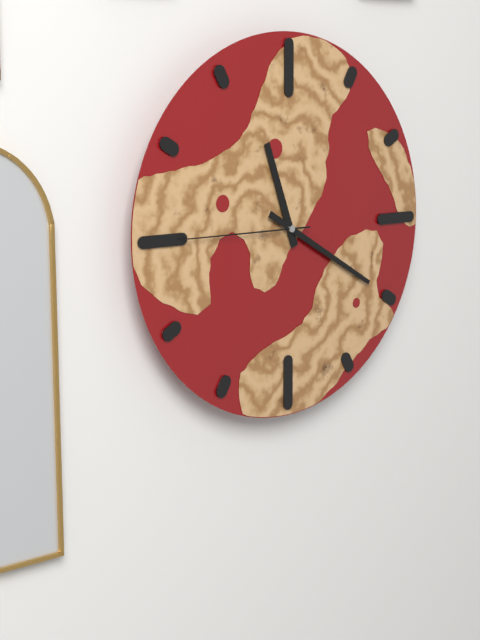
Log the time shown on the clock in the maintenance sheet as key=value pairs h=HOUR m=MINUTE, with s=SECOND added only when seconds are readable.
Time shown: h=11 m=20 s=45
